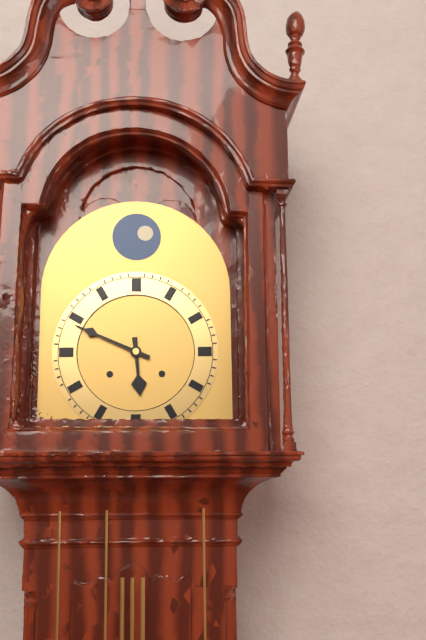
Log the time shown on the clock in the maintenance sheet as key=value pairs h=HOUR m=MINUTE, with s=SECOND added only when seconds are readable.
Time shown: h=5 m=49
